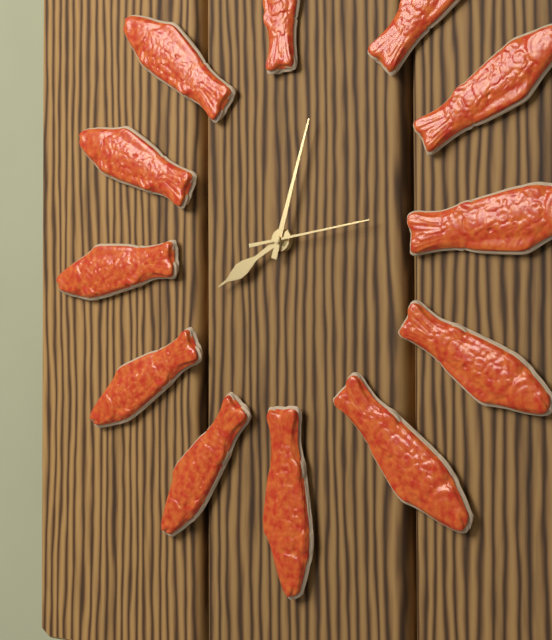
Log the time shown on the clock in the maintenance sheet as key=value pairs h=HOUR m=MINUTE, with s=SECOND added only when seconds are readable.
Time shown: h=8 m=3 s=14
